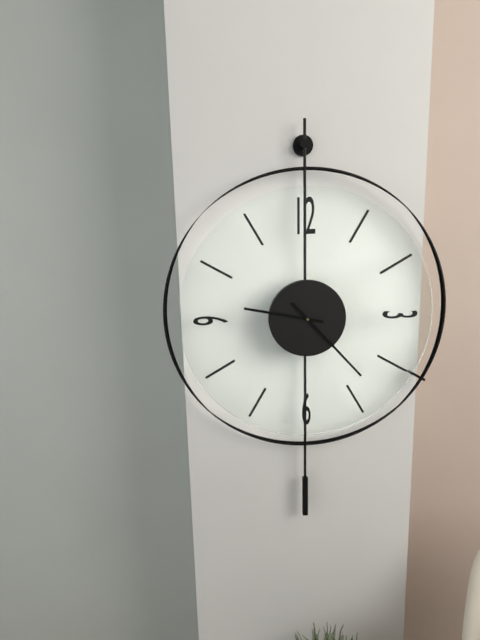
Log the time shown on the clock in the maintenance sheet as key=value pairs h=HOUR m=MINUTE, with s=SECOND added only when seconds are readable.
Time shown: h=9 m=23
